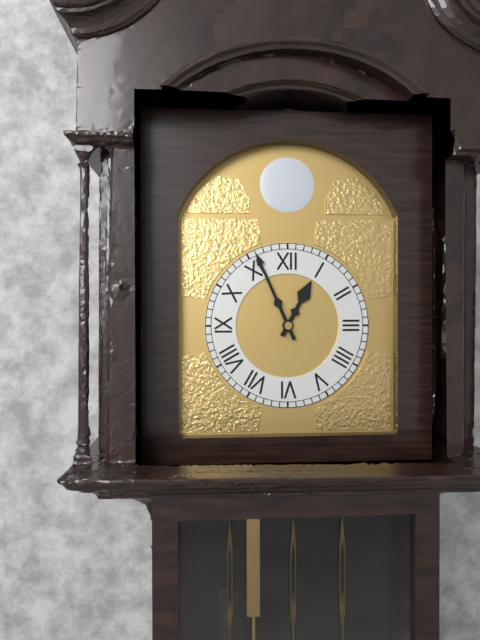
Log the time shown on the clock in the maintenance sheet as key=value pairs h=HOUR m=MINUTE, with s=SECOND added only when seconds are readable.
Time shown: h=12 m=56
